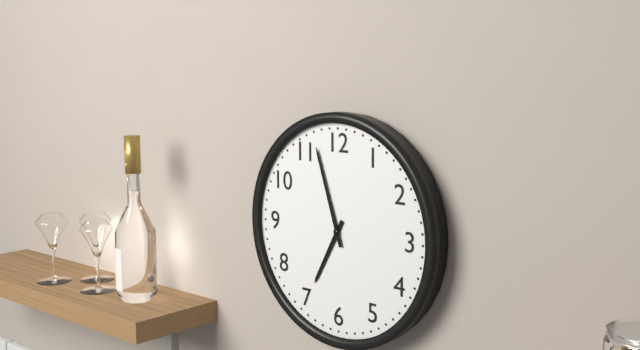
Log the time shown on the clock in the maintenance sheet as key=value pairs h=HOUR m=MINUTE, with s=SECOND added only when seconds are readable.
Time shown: h=6 m=57
